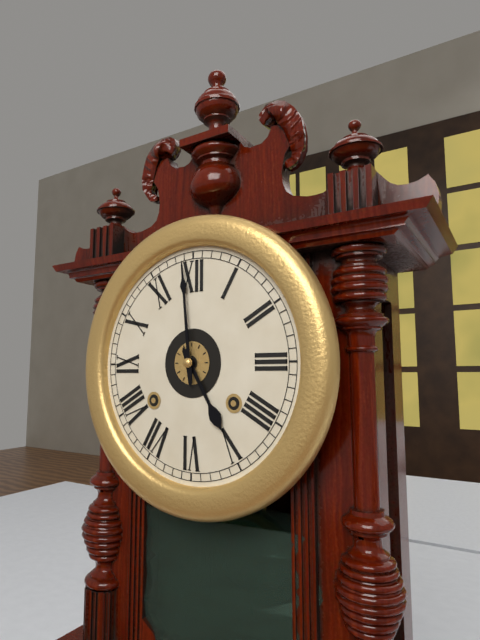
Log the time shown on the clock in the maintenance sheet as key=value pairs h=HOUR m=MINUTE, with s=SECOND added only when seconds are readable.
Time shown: h=4 m=59
